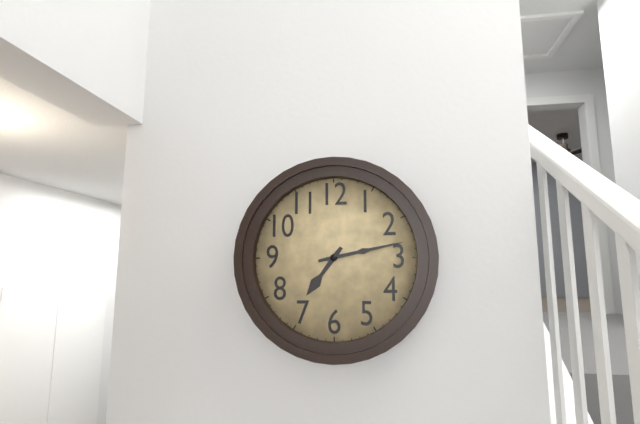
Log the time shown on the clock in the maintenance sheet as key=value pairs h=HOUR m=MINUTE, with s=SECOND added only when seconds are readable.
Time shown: h=7 m=13
